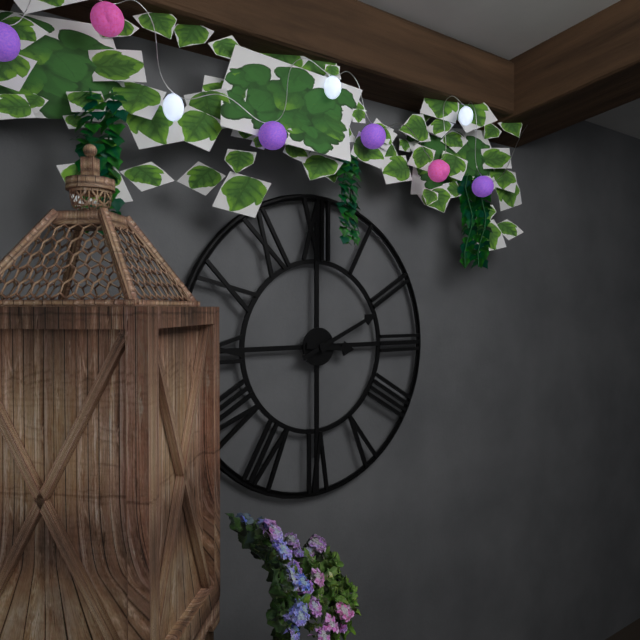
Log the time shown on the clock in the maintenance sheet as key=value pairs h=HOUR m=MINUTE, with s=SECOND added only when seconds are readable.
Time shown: h=3 m=11
